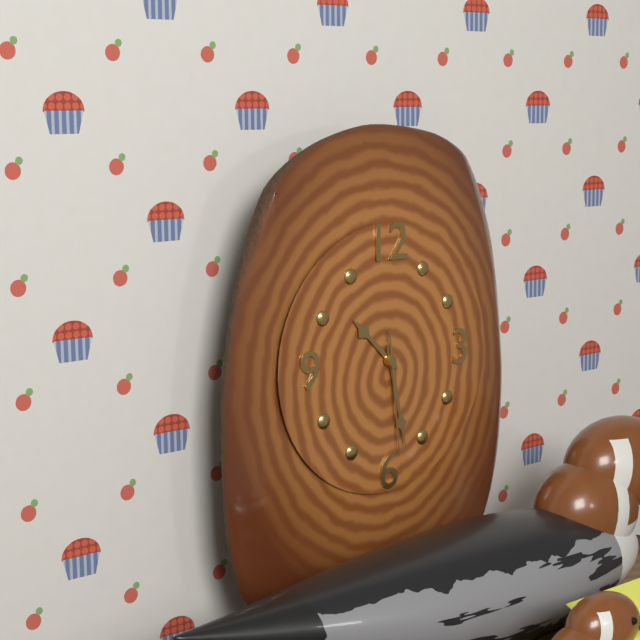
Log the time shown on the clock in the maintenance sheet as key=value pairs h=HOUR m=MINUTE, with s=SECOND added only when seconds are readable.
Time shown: h=10 m=28 s=29
